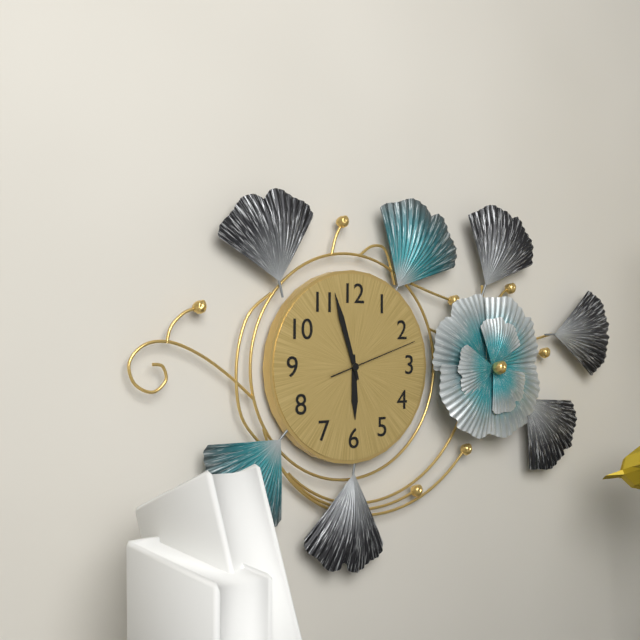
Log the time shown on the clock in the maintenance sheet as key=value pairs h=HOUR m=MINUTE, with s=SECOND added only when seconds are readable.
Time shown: h=5 m=57 s=12
